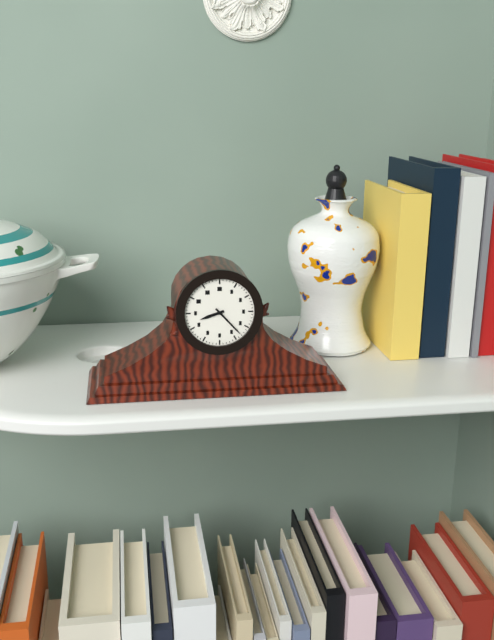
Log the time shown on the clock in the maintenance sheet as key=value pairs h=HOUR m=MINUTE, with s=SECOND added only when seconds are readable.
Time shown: h=8 m=23
